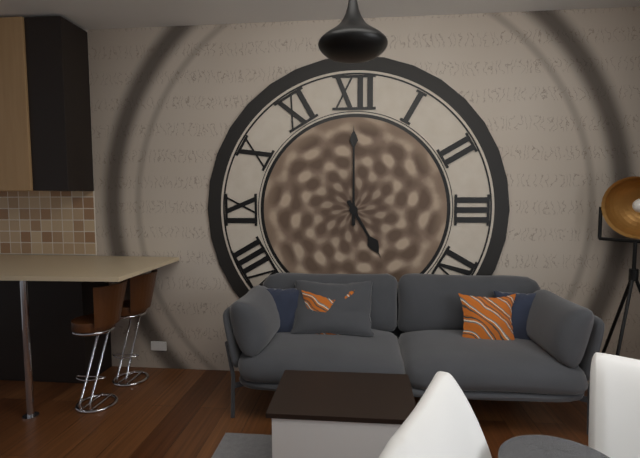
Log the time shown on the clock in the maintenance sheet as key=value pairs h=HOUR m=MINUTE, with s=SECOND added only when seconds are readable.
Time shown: h=5 m=0
